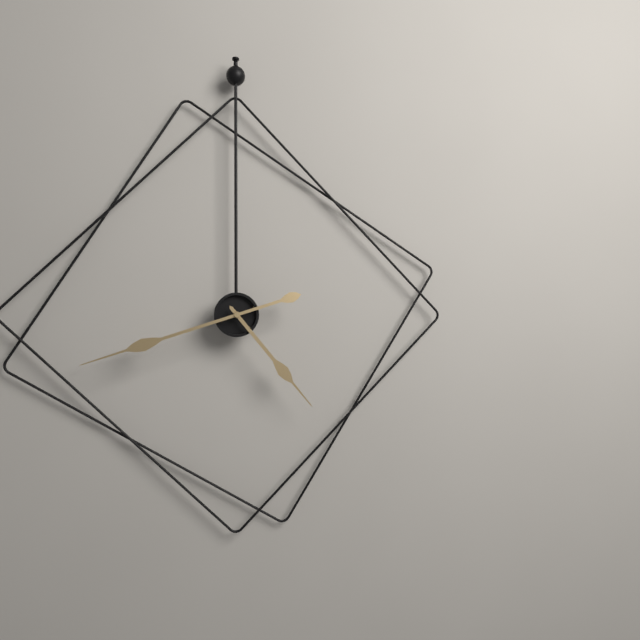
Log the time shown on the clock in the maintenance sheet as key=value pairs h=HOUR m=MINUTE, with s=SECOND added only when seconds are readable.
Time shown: h=4 m=42
